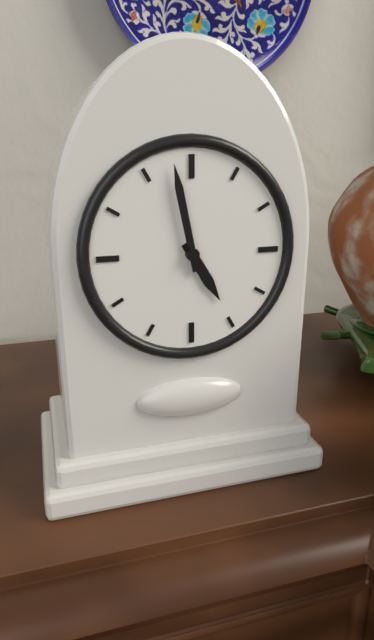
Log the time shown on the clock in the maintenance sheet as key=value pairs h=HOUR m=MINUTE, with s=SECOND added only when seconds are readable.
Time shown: h=4 m=58
